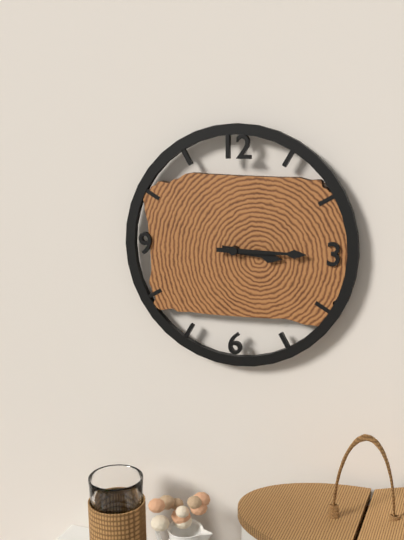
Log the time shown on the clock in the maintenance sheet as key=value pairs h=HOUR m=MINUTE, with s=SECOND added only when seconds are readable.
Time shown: h=3 m=15
